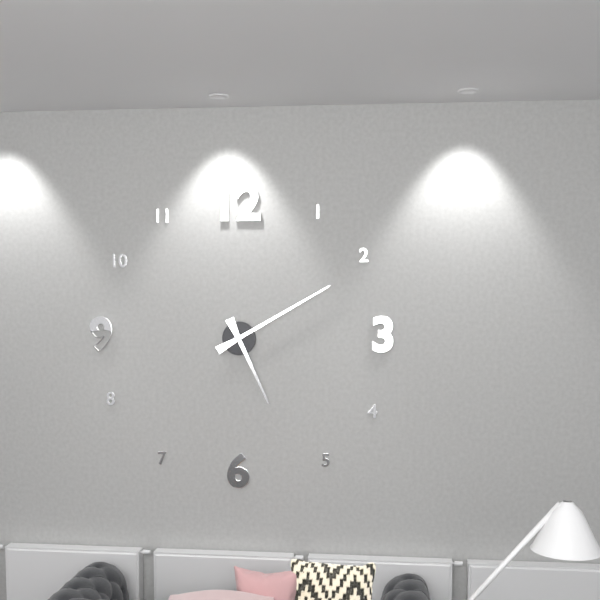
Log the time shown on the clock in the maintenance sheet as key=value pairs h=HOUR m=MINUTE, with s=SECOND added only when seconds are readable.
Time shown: h=5 m=10
